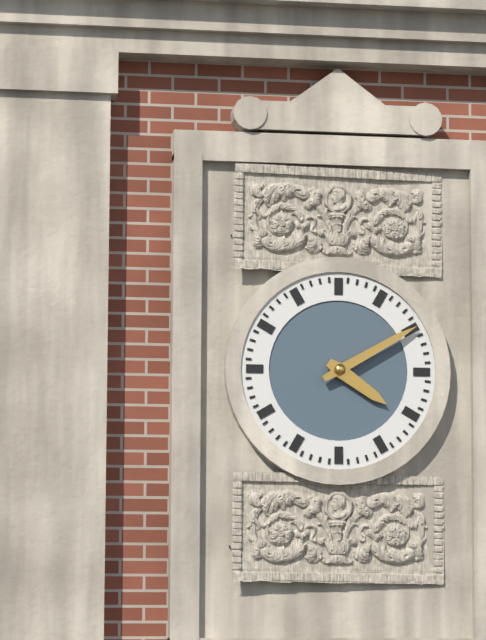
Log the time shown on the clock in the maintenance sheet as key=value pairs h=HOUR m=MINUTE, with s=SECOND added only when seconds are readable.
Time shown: h=4 m=10
